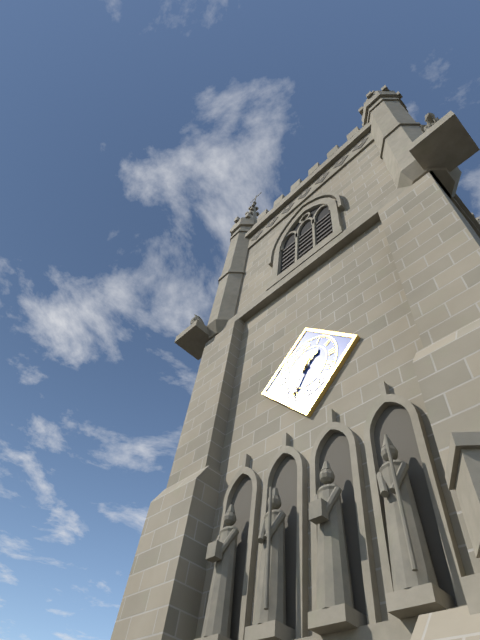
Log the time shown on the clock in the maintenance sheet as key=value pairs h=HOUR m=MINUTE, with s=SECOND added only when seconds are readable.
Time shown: h=1 m=35
